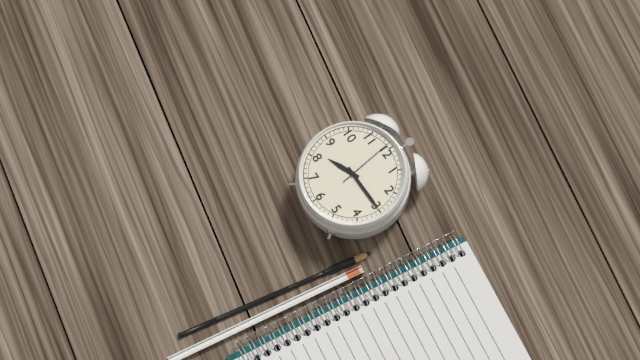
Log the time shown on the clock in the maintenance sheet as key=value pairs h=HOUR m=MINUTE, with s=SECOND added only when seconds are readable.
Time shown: h=8 m=15 s=59
